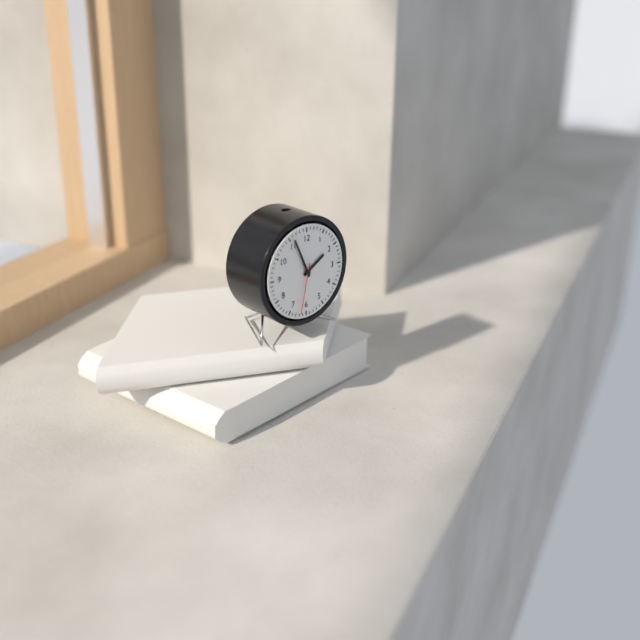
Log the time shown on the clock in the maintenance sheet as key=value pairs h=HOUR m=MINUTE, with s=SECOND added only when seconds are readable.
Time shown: h=1 m=56 s=32
